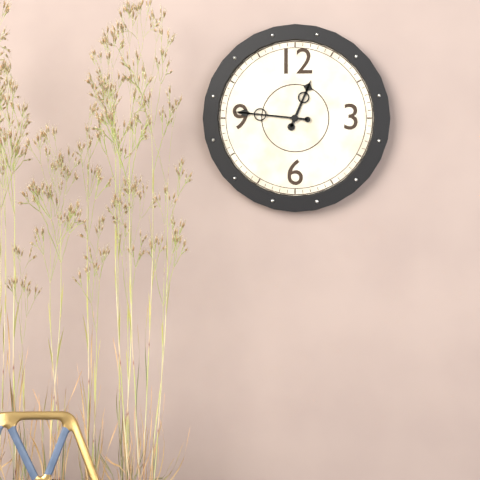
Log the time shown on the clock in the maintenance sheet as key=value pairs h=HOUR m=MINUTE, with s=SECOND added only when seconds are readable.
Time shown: h=12 m=46
